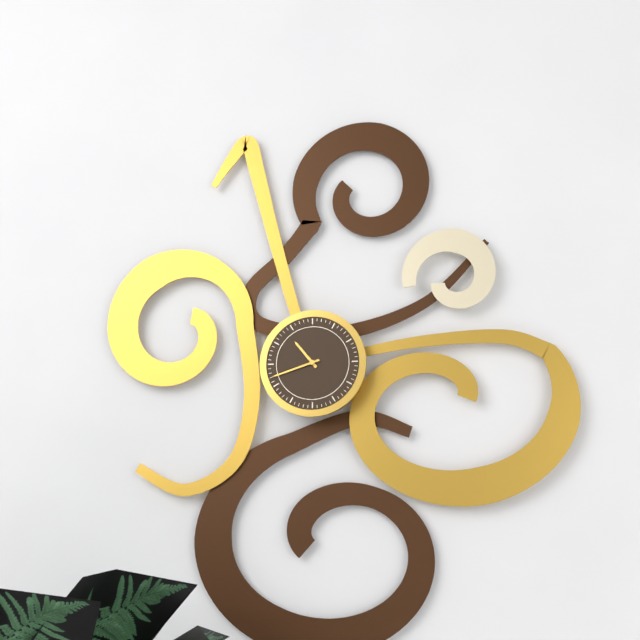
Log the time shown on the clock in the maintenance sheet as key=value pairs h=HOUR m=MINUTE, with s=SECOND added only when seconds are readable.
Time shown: h=10 m=42
